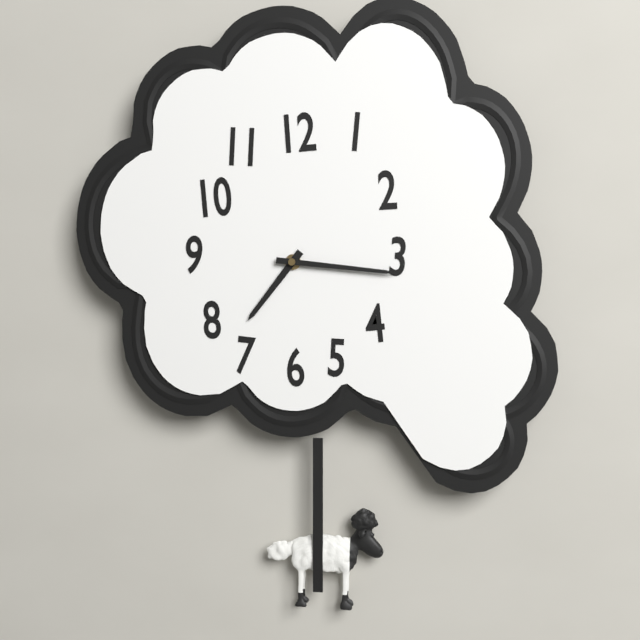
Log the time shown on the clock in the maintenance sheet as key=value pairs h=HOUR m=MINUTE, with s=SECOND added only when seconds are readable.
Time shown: h=7 m=16
